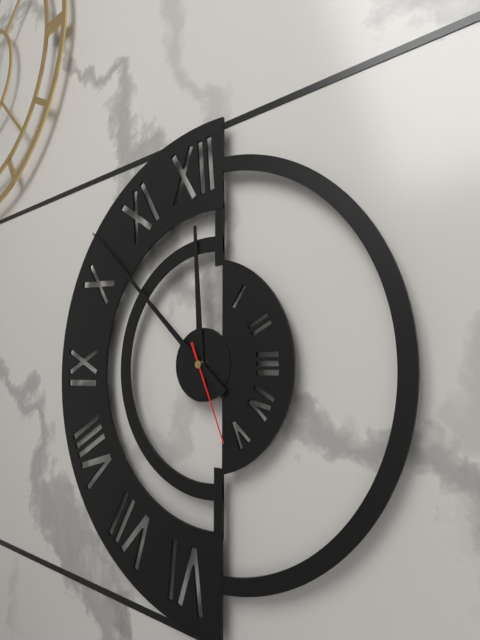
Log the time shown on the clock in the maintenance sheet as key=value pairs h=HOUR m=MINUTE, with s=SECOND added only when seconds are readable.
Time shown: h=11 m=52 s=26
